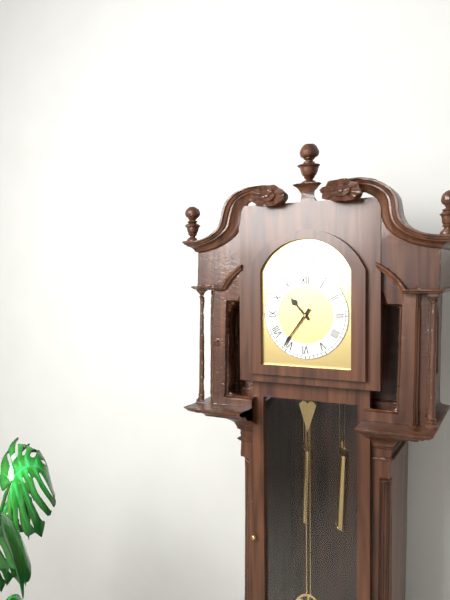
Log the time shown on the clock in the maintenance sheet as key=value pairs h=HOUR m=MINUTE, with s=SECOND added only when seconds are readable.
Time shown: h=10 m=36
